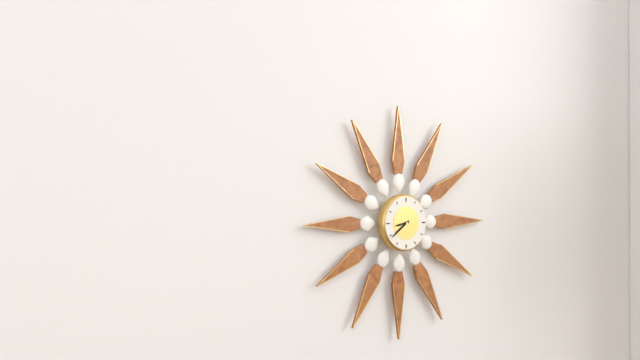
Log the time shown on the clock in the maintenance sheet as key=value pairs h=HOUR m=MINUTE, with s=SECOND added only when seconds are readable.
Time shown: h=8 m=39
